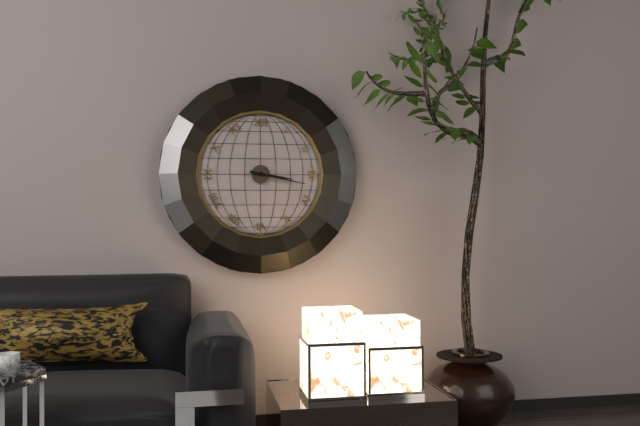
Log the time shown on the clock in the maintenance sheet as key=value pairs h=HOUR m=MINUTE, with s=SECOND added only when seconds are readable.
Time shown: h=3 m=17
